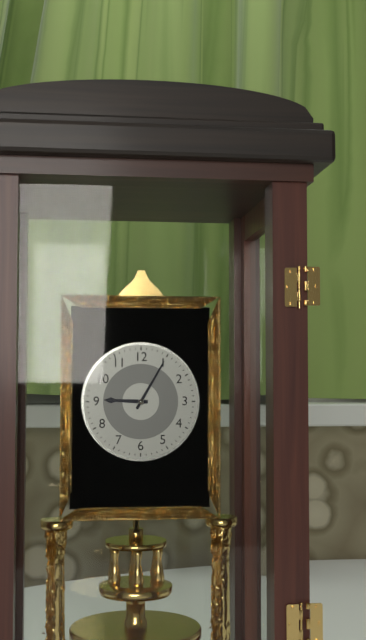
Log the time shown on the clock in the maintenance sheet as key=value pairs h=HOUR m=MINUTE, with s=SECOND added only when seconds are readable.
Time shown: h=9 m=5
